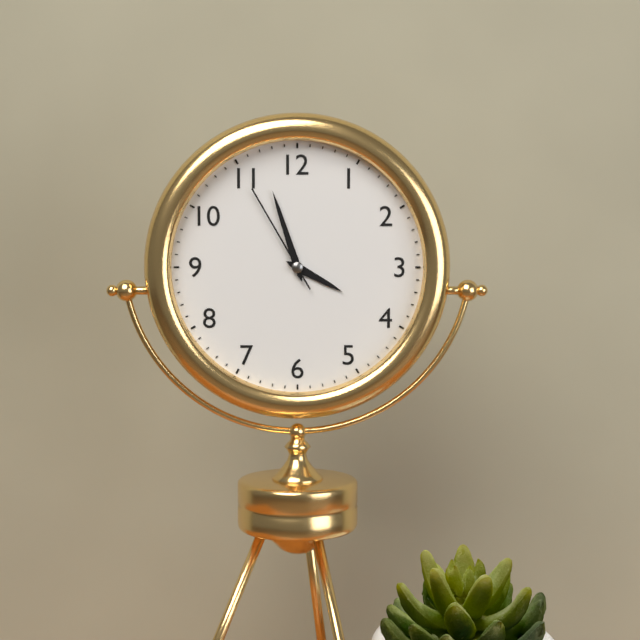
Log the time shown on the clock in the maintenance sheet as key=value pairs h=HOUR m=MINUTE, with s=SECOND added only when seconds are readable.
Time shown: h=3 m=57 s=55
